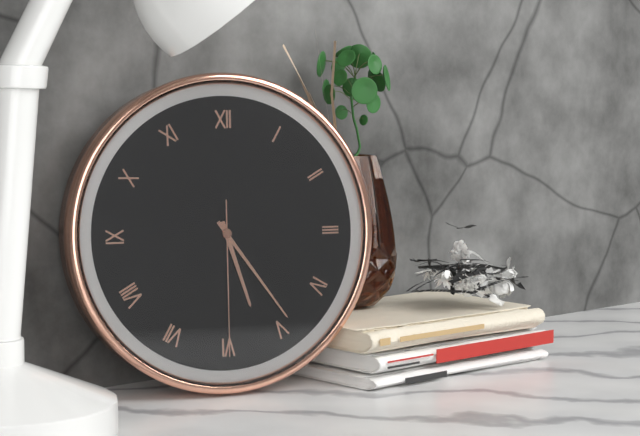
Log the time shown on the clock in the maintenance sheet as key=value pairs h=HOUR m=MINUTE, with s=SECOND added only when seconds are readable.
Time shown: h=5 m=24 s=30
